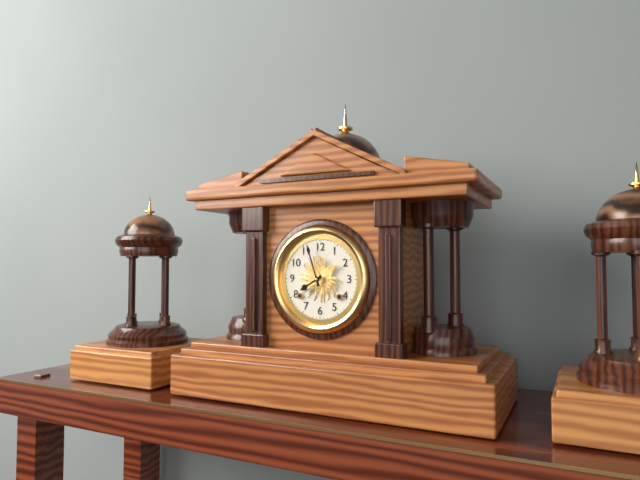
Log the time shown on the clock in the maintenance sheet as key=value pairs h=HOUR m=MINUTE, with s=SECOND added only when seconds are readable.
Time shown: h=7 m=57
